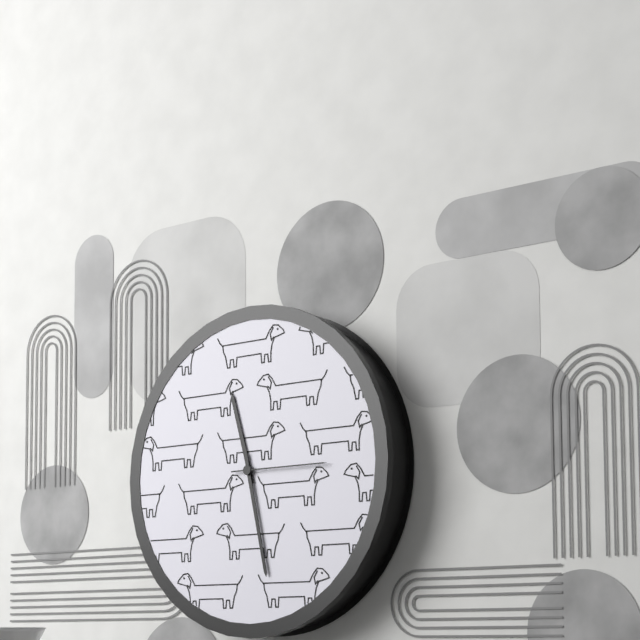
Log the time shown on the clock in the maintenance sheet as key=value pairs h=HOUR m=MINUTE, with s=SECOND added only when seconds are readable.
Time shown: h=11 m=28 s=15
